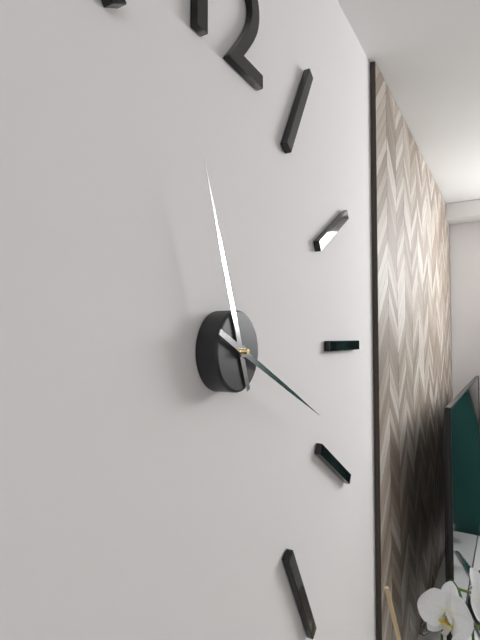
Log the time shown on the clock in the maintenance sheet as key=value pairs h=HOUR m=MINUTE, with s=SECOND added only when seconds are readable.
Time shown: h=11 m=19
